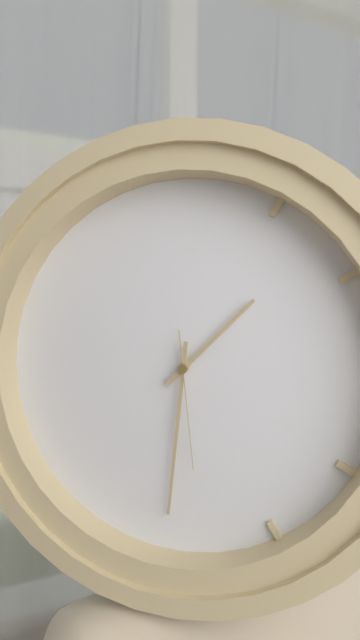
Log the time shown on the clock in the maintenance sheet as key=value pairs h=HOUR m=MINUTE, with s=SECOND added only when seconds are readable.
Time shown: h=1 m=31 s=29
